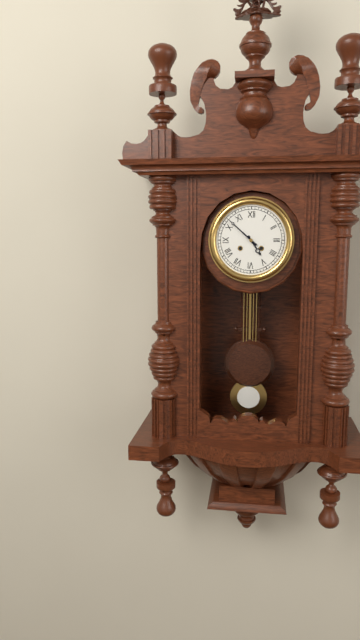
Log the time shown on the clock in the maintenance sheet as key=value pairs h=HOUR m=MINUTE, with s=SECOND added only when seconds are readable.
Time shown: h=4 m=52
